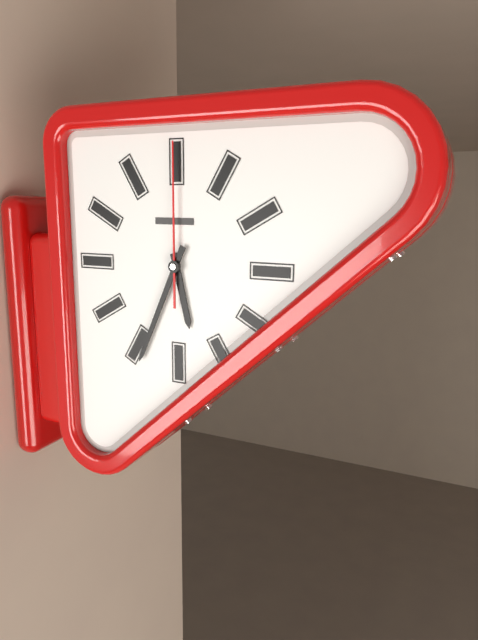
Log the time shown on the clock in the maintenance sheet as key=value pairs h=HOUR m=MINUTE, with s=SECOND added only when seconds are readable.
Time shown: h=5 m=34 s=0
